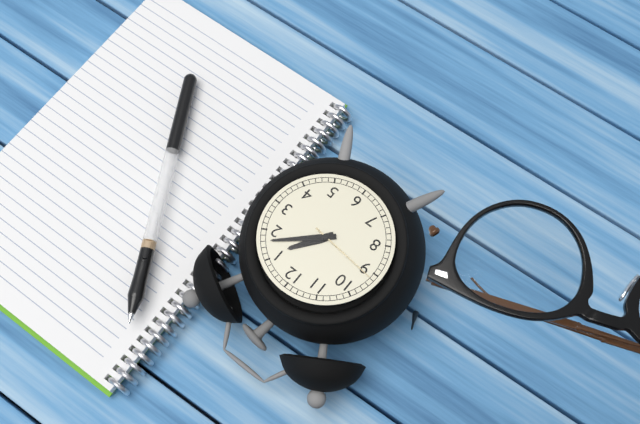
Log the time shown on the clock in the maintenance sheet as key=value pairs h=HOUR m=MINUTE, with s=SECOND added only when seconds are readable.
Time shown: h=1 m=8 s=46
